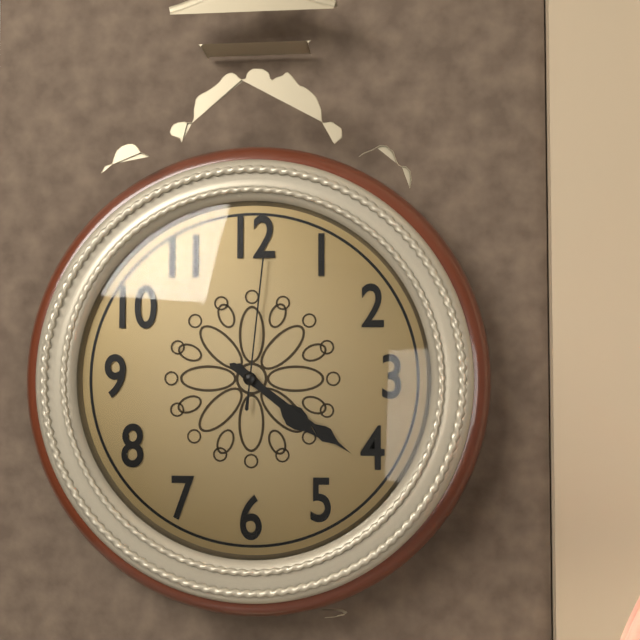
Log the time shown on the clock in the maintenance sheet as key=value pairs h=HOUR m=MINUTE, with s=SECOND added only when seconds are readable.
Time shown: h=4 m=21 s=1
